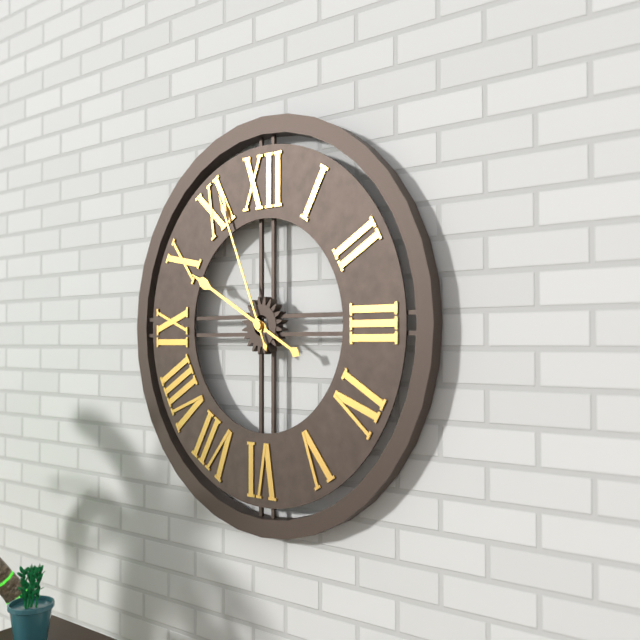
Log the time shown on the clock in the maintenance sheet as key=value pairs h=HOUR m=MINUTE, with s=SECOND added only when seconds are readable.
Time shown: h=9 m=56
